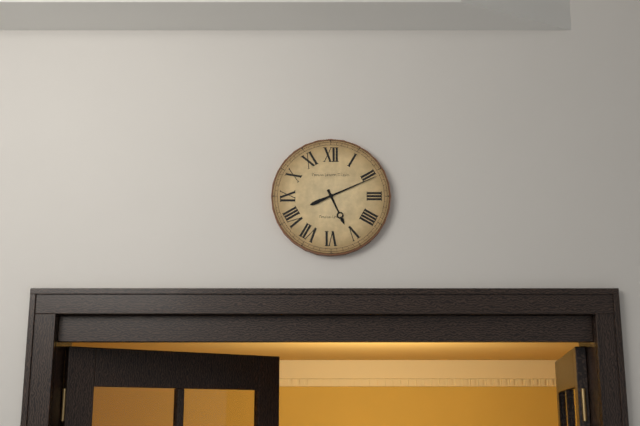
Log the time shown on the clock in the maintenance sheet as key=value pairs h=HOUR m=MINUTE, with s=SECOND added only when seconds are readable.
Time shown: h=5 m=11
